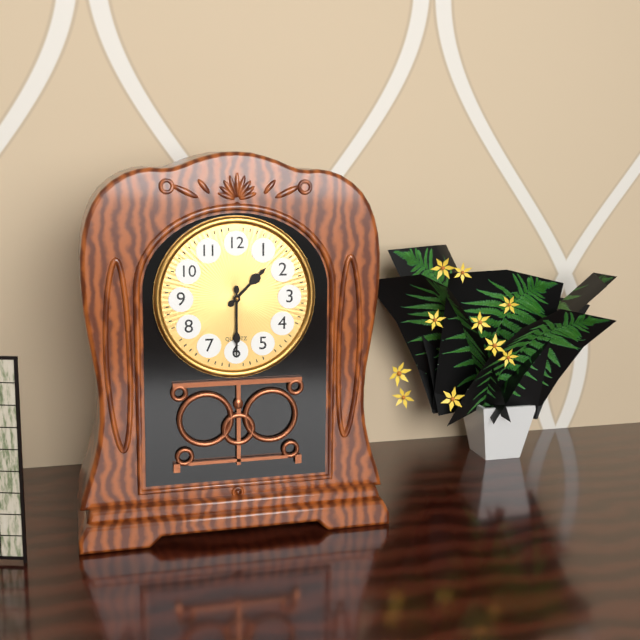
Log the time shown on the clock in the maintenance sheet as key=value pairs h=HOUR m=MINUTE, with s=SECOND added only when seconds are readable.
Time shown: h=1 m=30
